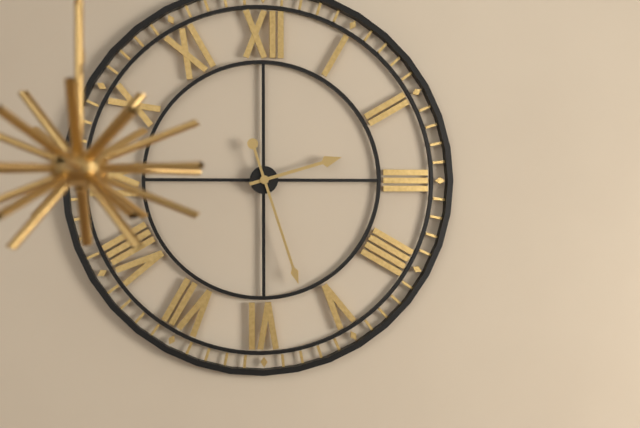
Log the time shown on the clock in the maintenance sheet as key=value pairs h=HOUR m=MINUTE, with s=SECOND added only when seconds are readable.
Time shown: h=2 m=27
